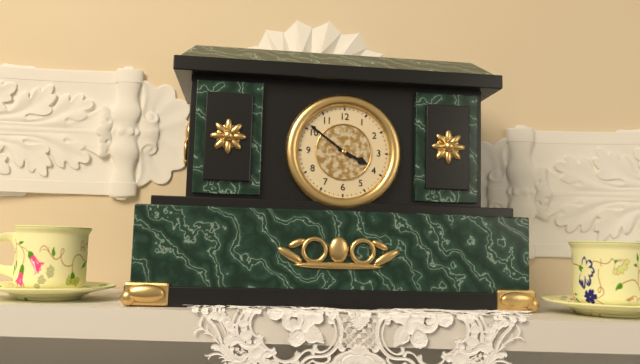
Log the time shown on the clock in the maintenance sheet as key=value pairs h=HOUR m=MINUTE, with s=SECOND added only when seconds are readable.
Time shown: h=3 m=51
